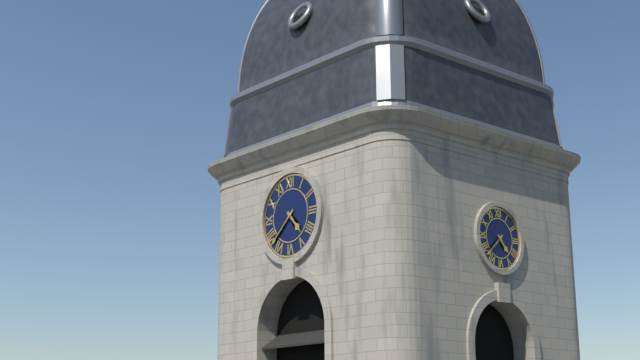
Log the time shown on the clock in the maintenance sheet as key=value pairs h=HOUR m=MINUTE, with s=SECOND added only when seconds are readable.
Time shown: h=4 m=38
